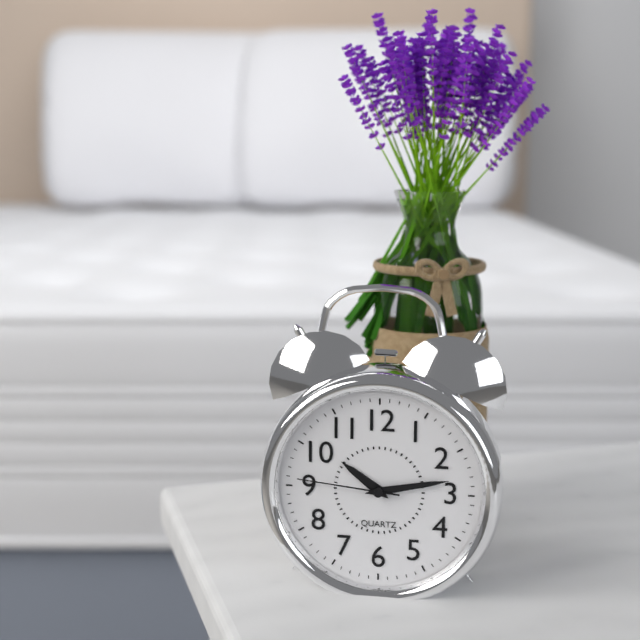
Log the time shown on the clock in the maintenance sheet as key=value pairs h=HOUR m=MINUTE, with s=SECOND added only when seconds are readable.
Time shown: h=10 m=13 s=46
